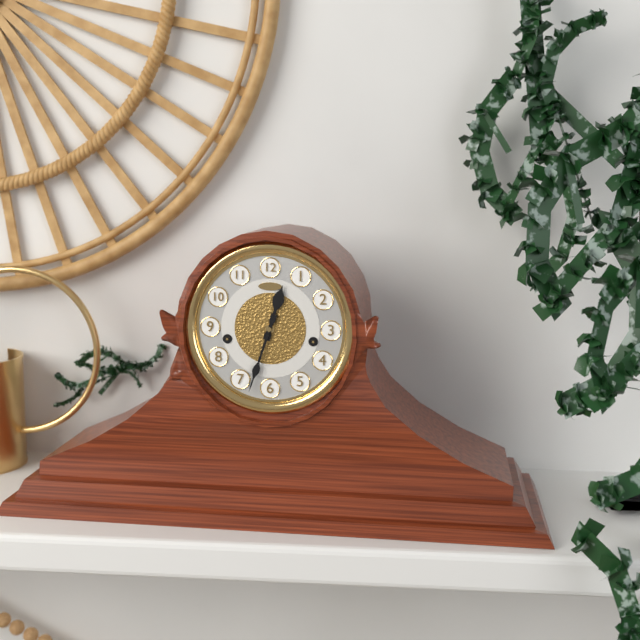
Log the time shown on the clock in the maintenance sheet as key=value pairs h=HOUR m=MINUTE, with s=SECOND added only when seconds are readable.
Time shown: h=12 m=33
